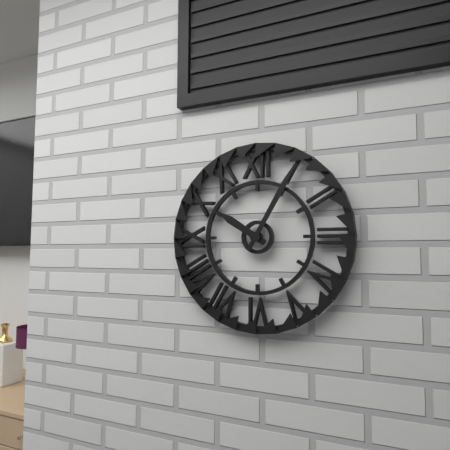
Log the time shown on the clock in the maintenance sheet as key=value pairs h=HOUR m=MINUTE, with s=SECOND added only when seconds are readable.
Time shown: h=10 m=5
